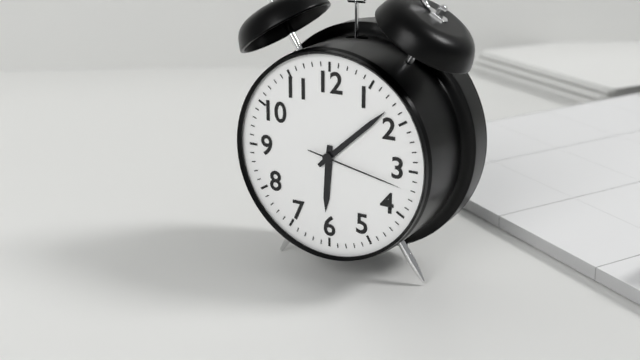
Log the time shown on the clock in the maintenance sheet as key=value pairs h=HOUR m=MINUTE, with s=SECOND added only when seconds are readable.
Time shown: h=6 m=8 s=17
